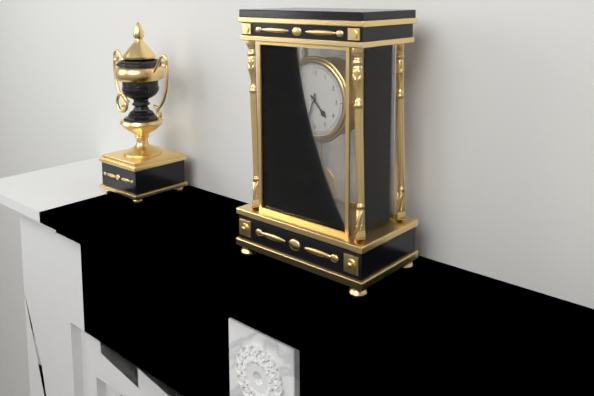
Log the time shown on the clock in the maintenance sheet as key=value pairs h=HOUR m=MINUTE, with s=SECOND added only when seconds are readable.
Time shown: h=4 m=33
